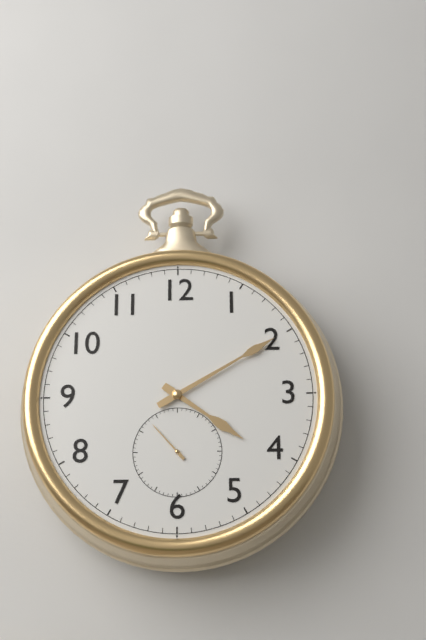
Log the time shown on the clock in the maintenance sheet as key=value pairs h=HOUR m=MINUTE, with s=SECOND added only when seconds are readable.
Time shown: h=4 m=10
